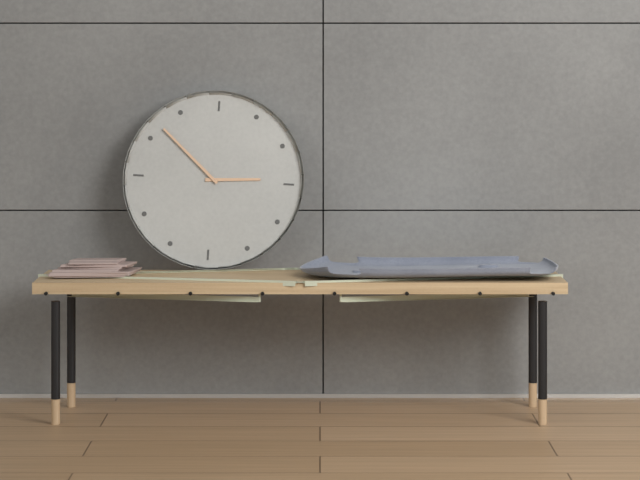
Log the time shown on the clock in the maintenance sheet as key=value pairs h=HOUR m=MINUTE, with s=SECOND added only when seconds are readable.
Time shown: h=2 m=52
